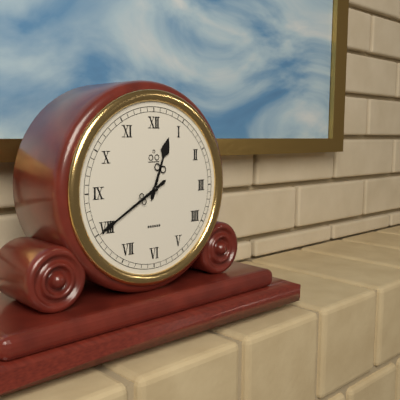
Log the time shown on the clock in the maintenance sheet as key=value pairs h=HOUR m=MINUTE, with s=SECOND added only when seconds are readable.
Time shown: h=12 m=40
